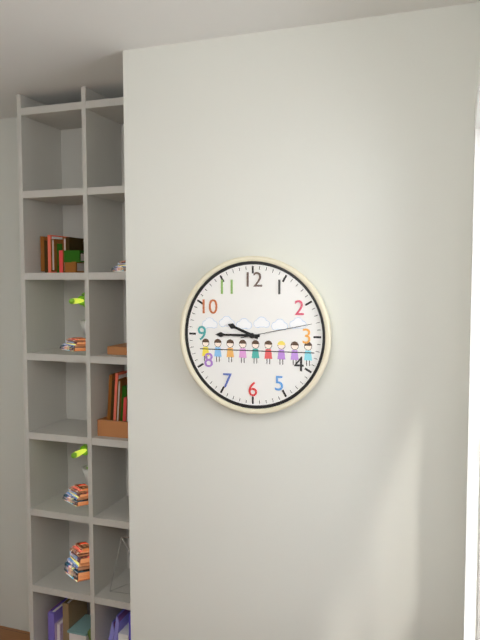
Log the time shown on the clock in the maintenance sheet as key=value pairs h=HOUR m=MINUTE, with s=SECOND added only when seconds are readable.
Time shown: h=9 m=45 s=13
